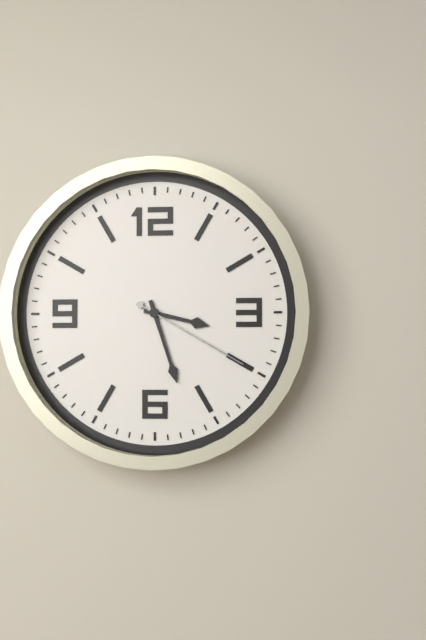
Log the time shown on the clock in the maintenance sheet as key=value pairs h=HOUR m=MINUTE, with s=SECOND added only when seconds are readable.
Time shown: h=3 m=27 s=20
